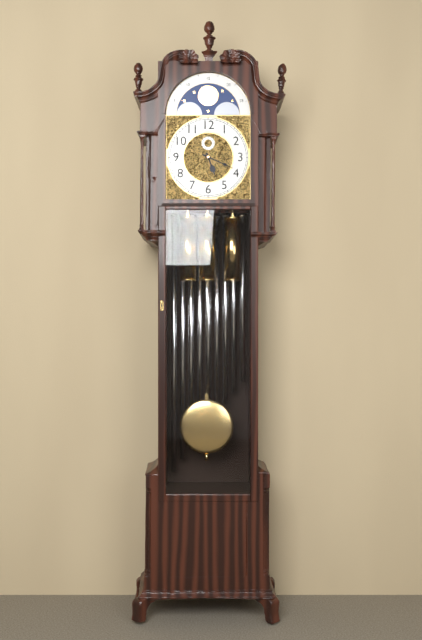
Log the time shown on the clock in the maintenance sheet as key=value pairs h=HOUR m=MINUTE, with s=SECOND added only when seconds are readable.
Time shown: h=5 m=19
